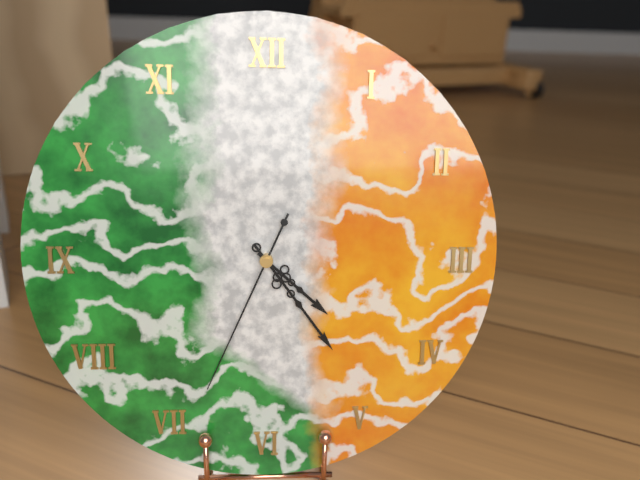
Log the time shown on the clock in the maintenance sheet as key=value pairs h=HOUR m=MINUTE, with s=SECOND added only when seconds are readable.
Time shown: h=4 m=24 s=34
